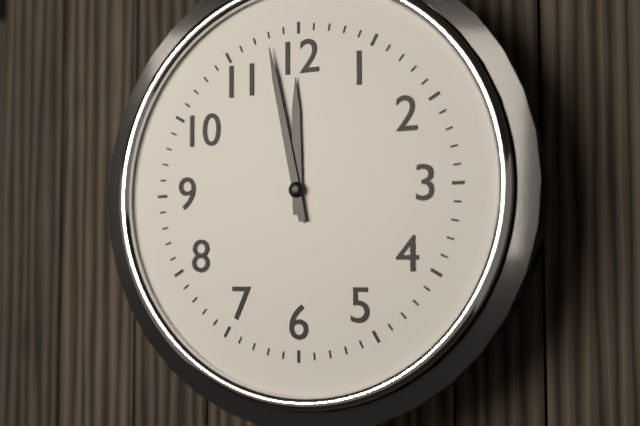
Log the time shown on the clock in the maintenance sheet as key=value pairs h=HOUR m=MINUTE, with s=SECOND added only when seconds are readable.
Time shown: h=11 m=58
